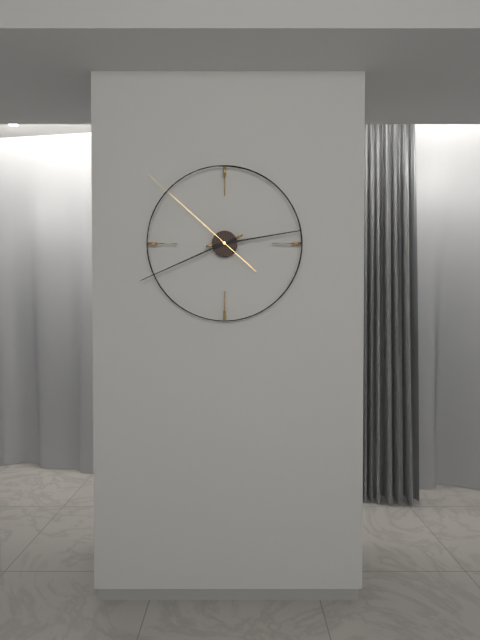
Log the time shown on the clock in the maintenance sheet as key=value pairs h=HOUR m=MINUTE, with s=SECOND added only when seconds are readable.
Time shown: h=2 m=41 s=52
